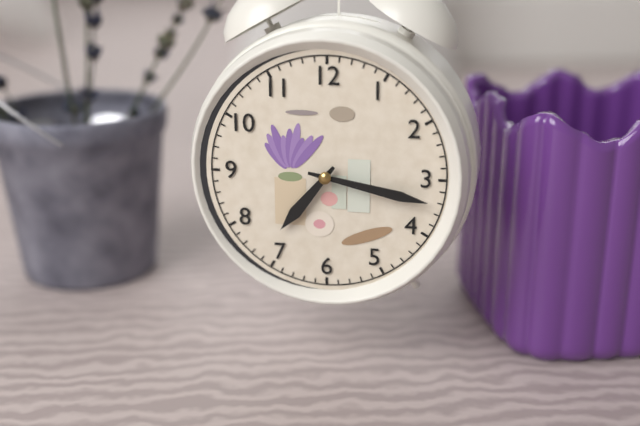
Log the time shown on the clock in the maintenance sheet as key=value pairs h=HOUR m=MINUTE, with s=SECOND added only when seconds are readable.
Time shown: h=7 m=17
